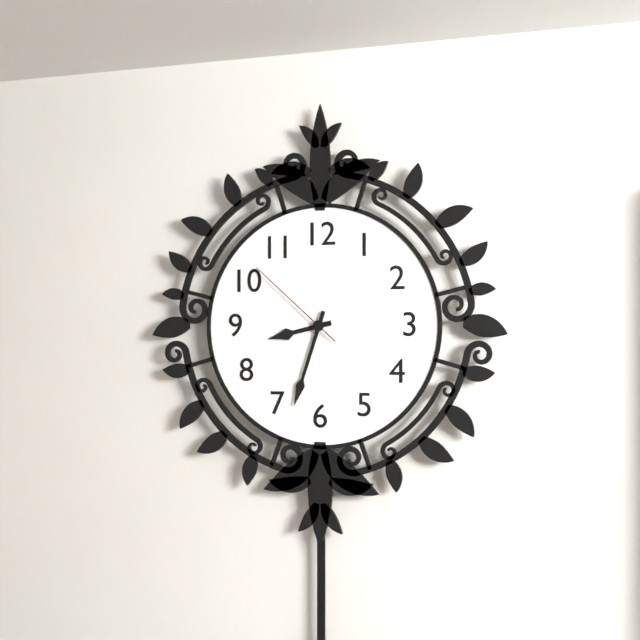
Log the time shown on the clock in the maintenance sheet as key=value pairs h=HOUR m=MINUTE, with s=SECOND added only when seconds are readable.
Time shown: h=8 m=33 s=52
